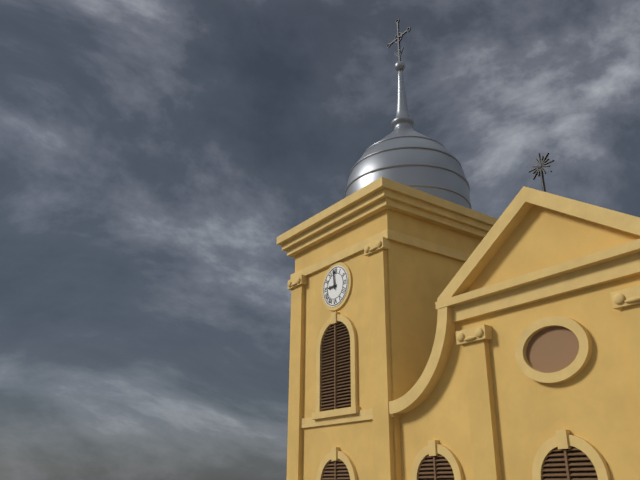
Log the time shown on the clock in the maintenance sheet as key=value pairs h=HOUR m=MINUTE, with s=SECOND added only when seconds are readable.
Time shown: h=8 m=59
